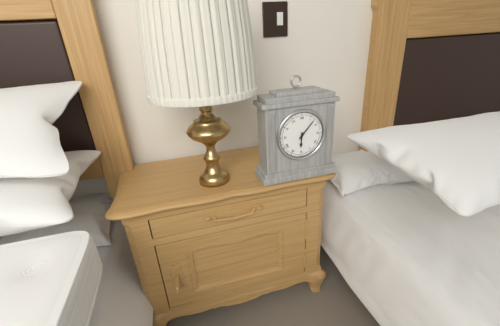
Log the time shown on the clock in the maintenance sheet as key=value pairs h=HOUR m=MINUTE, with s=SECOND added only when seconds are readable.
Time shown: h=6 m=7
